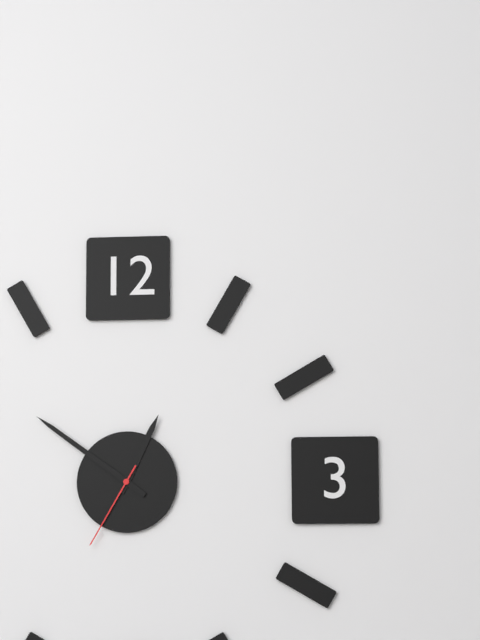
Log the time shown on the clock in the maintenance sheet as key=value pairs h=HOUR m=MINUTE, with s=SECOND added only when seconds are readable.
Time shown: h=12 m=51 s=35
